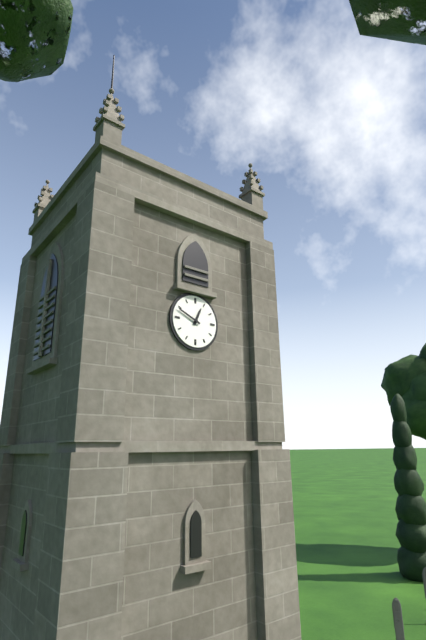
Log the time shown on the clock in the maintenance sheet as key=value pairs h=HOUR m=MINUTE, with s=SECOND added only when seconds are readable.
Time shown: h=12 m=49
